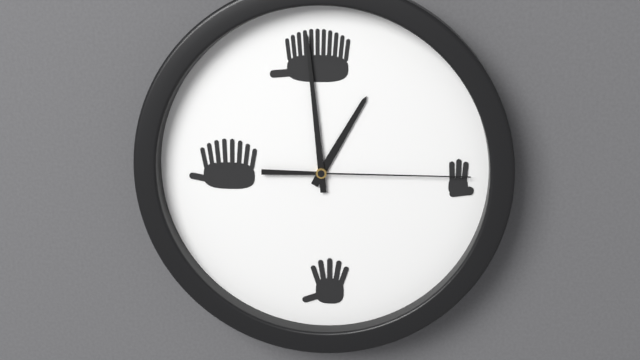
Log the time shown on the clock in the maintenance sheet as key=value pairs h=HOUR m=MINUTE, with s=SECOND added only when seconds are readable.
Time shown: h=12 m=59 s=15
